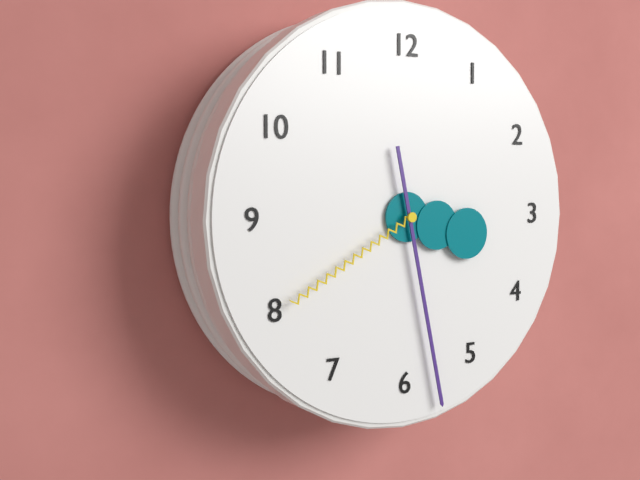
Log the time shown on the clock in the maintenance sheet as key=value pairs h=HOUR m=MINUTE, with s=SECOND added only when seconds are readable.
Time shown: h=3 m=28 s=40
